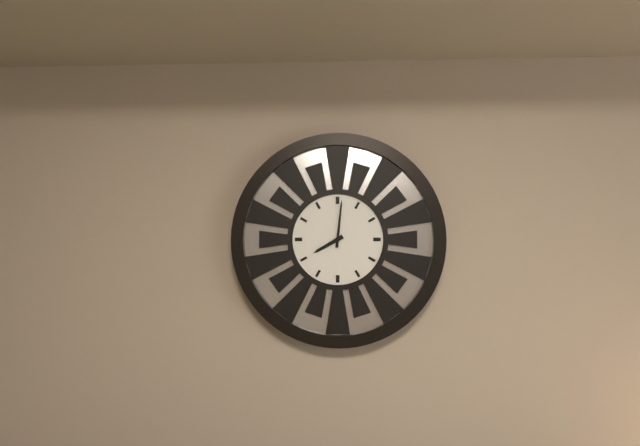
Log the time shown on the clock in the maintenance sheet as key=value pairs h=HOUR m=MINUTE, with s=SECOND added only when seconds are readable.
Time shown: h=8 m=1
